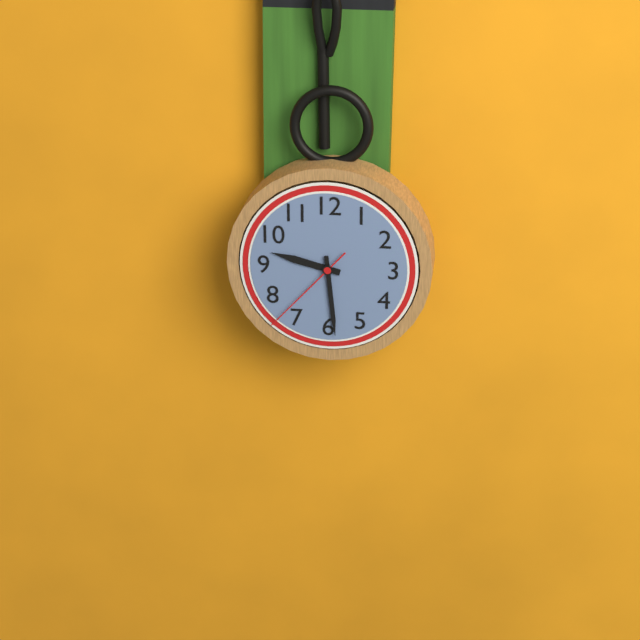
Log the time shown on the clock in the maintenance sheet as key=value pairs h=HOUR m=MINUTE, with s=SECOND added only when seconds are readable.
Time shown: h=9 m=29 s=37
